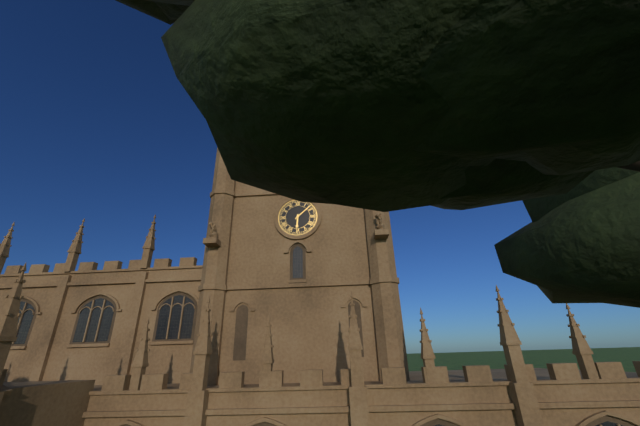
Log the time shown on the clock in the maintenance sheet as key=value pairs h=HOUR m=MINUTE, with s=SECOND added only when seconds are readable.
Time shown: h=6 m=8
